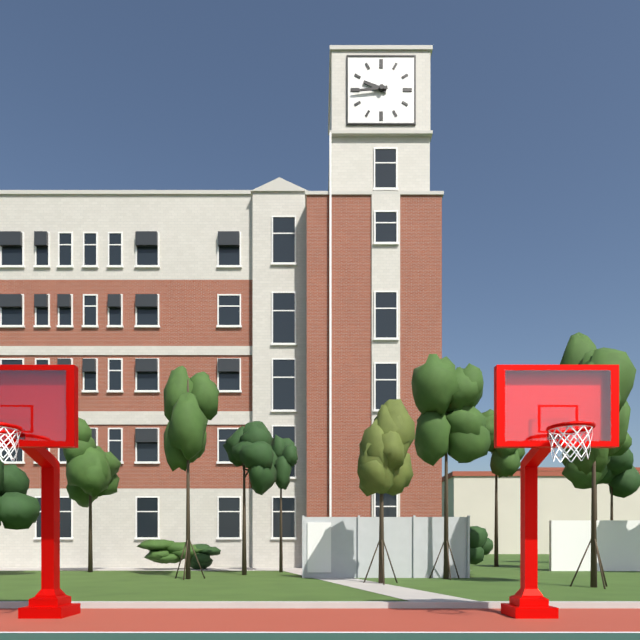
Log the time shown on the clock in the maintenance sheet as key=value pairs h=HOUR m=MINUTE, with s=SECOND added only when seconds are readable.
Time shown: h=9 m=44
